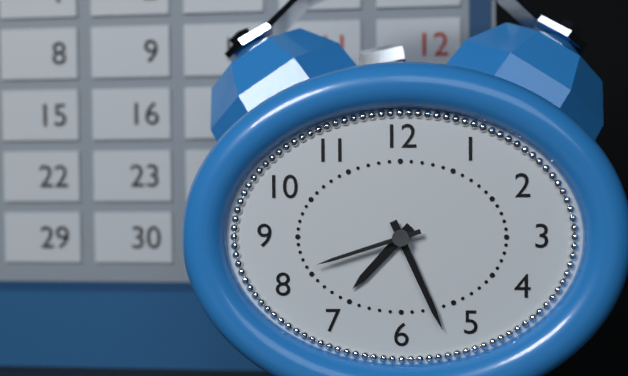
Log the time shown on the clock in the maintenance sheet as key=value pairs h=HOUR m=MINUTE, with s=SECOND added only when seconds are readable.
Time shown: h=7 m=26 s=42
